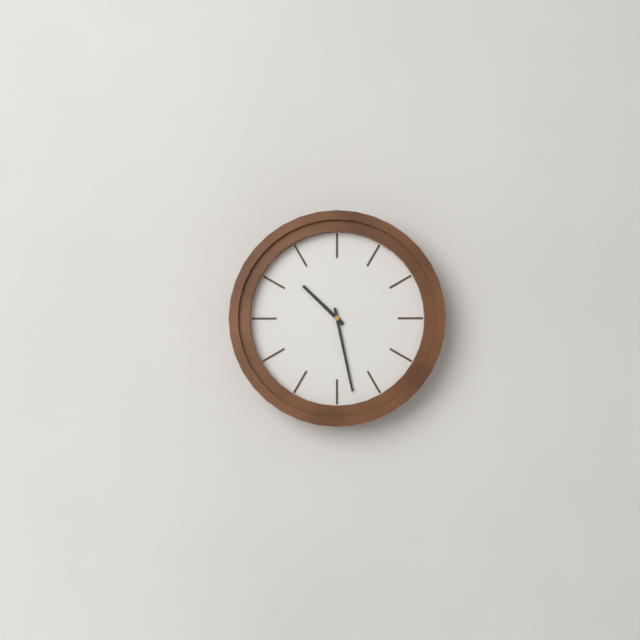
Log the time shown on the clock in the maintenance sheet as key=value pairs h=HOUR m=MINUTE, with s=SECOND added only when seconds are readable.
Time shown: h=10 m=28
